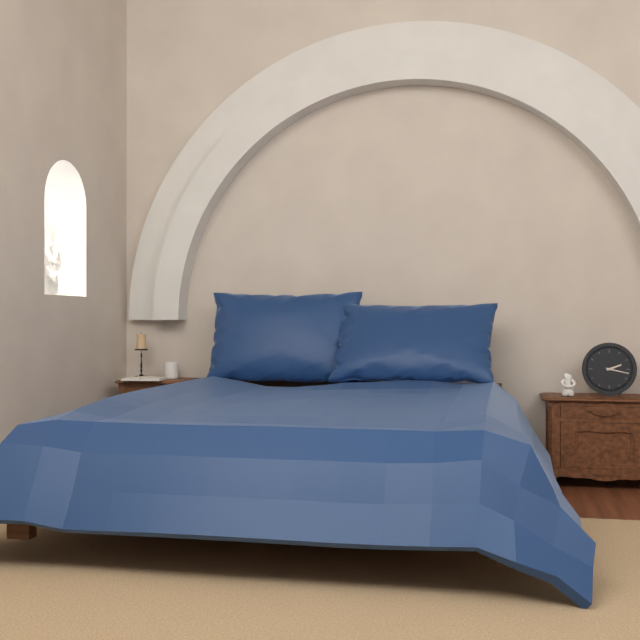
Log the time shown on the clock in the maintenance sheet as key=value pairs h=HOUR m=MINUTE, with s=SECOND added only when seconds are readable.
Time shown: h=2 m=17
